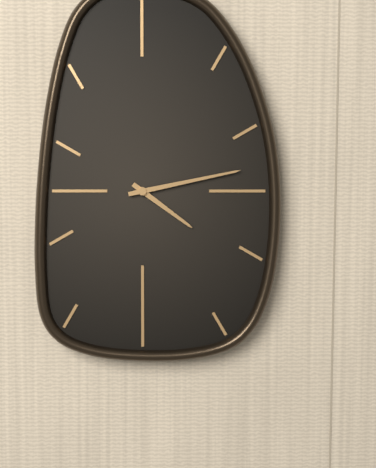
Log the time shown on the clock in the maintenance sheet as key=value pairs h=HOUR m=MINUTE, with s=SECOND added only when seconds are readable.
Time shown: h=4 m=13
